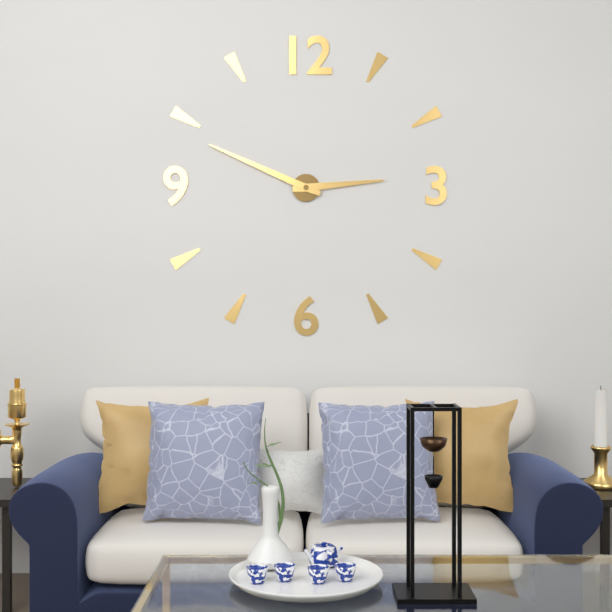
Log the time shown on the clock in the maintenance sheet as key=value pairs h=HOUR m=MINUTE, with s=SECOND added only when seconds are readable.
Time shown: h=2 m=49
